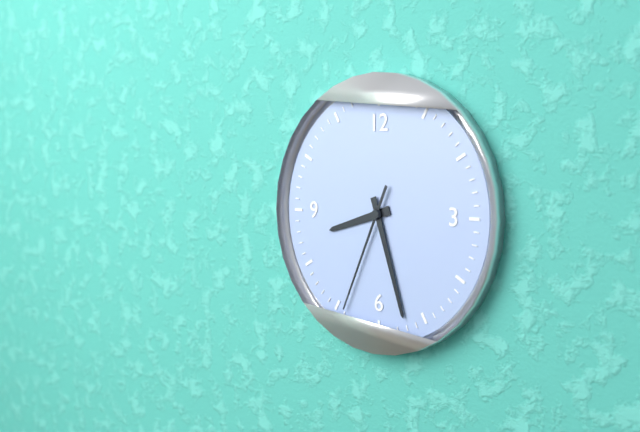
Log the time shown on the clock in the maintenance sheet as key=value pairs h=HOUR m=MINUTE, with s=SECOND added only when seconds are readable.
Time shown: h=8 m=27 s=34
